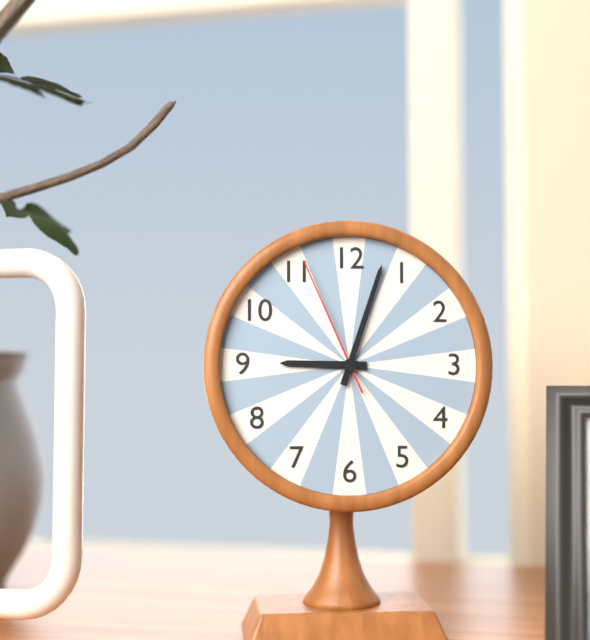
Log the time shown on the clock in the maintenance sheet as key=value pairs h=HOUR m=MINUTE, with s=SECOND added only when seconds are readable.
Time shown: h=9 m=3 s=56
